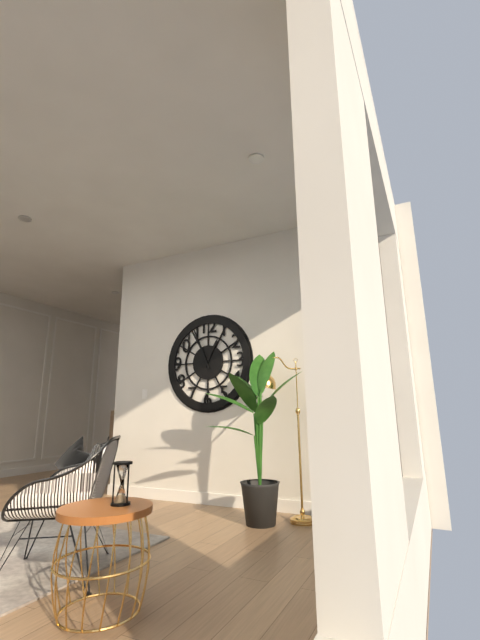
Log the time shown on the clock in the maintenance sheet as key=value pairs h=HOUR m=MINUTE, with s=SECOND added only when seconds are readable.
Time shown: h=12 m=56
